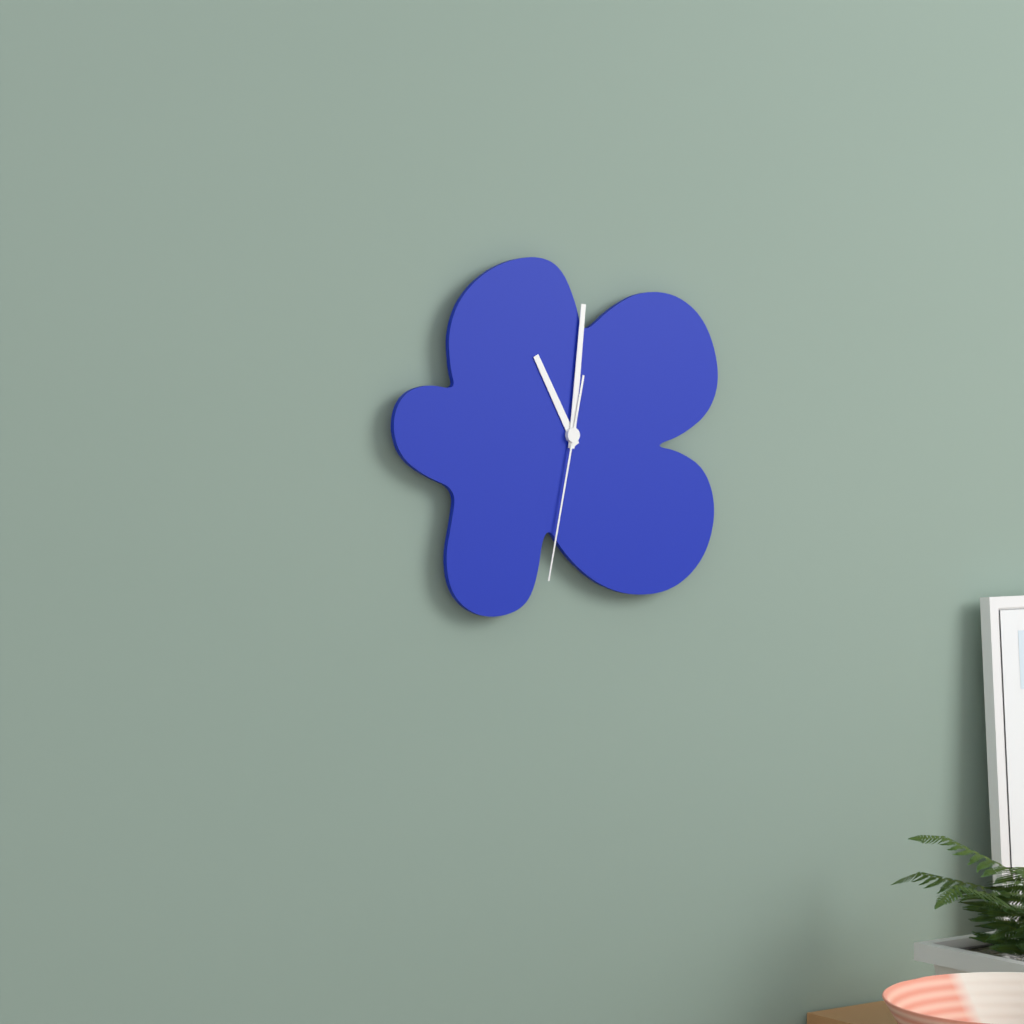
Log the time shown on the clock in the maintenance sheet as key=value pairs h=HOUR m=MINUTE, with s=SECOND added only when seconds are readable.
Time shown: h=11 m=1 s=32
